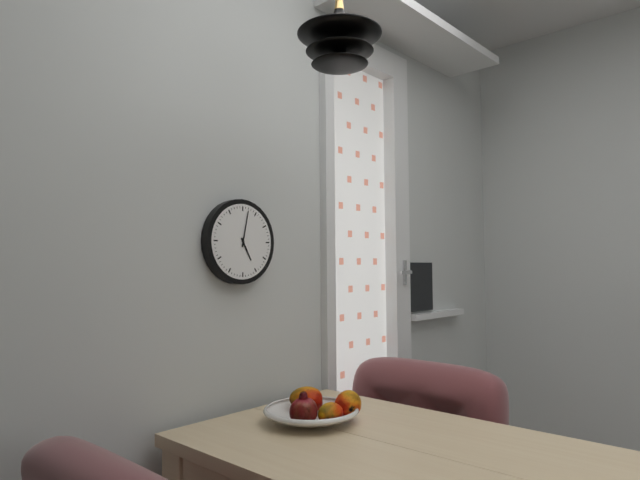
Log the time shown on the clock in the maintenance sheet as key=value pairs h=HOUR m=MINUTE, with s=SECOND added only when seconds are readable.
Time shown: h=5 m=2
